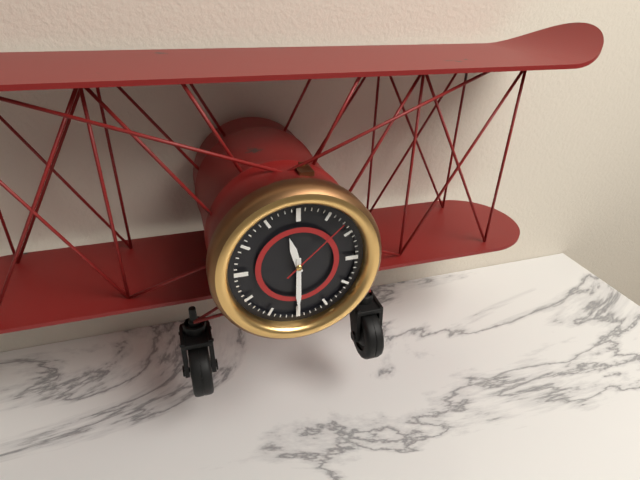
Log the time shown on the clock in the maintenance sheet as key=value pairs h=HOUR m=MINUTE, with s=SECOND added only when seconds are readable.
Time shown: h=11 m=30 s=8
